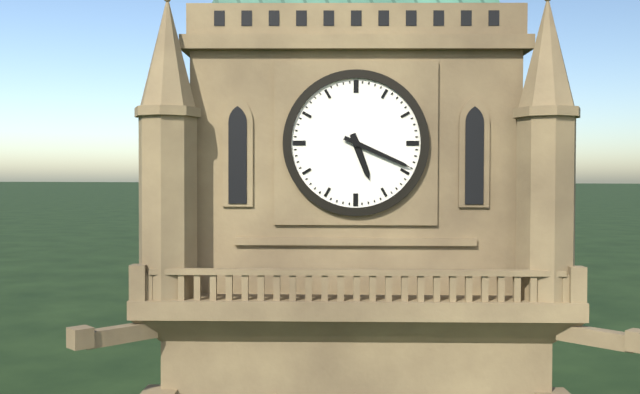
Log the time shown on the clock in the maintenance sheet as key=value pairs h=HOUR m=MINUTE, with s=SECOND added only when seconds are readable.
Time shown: h=5 m=19
